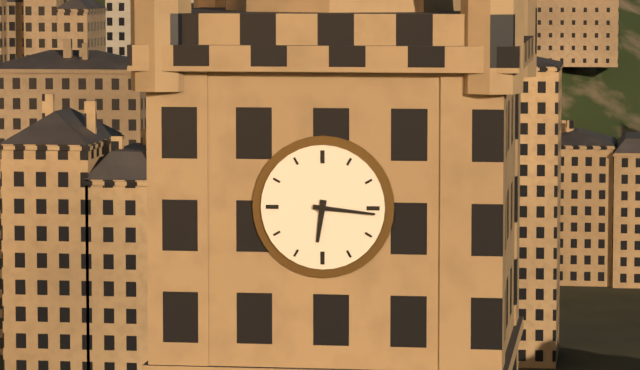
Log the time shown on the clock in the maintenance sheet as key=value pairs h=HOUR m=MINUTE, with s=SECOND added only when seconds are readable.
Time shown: h=6 m=16
